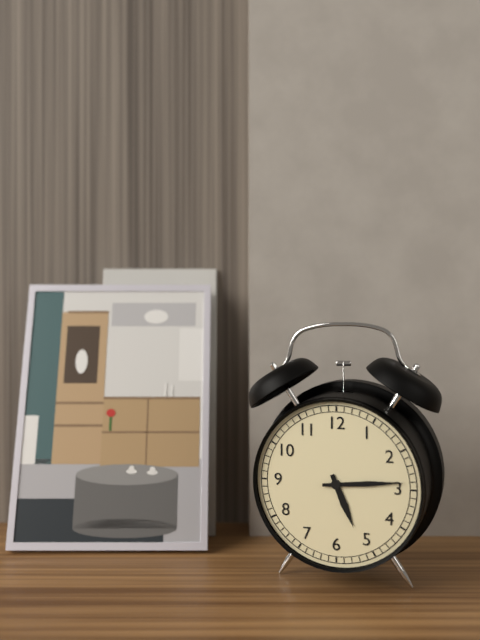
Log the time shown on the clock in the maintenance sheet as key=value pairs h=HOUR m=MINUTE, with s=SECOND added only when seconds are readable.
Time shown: h=5 m=14
